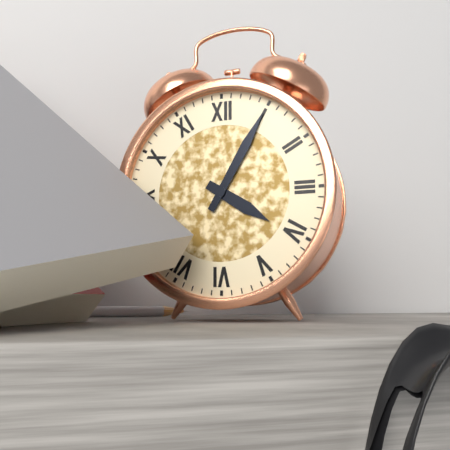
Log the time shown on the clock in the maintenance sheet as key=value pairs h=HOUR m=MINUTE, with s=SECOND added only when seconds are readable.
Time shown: h=4 m=5
